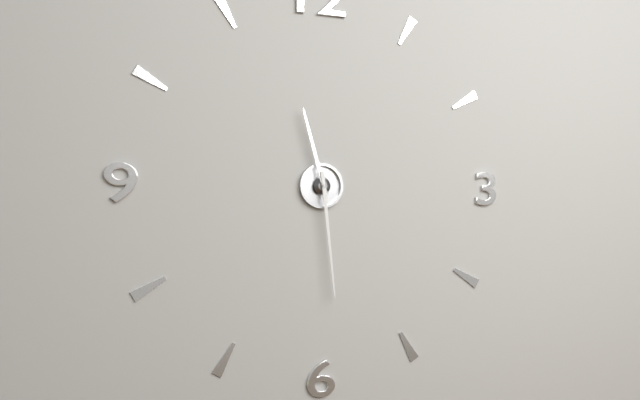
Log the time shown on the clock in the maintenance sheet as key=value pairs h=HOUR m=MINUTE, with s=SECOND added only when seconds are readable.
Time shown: h=11 m=29
